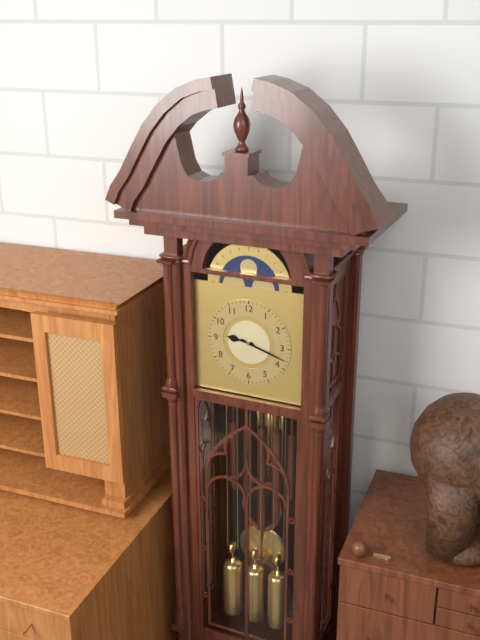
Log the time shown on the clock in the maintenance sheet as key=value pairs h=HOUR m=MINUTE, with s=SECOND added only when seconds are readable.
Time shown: h=9 m=18
